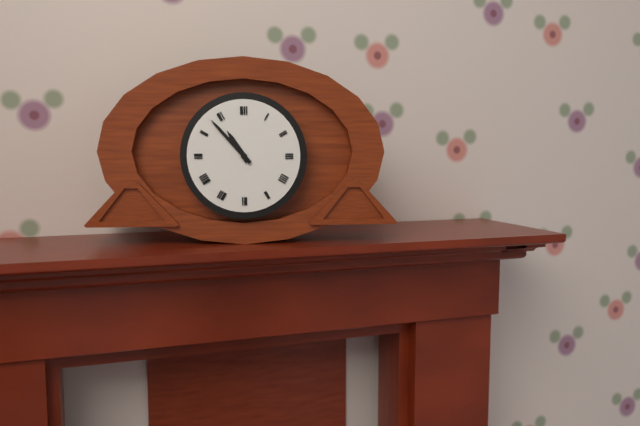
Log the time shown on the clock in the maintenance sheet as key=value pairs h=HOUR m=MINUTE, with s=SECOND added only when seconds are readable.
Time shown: h=10 m=53
